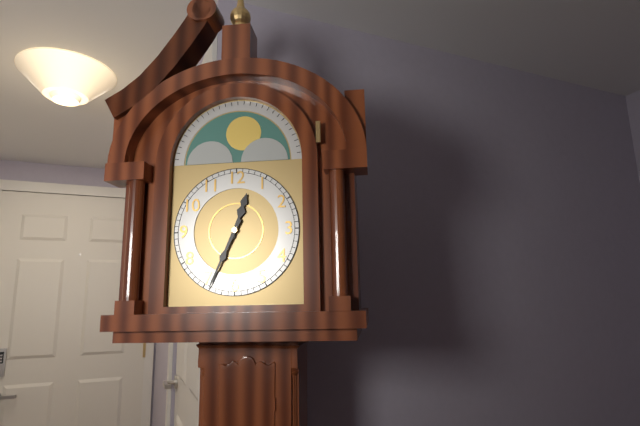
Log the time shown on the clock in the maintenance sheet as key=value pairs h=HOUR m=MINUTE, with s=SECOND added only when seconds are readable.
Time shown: h=12 m=34
